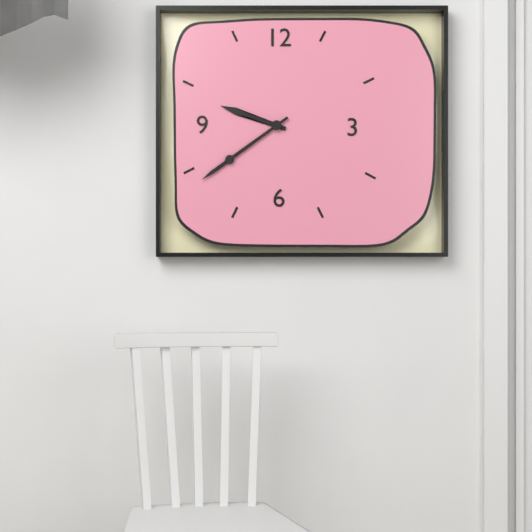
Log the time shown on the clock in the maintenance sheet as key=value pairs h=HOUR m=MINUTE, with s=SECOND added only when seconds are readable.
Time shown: h=9 m=39
